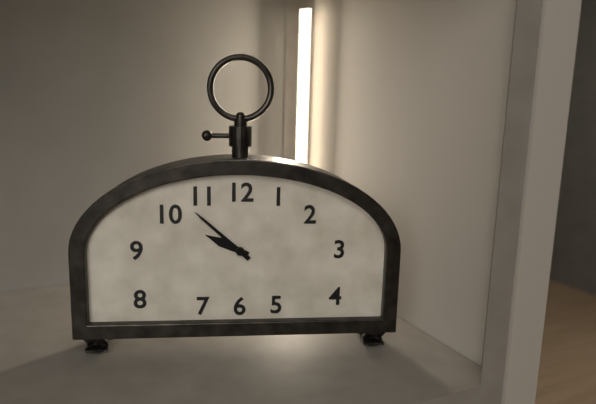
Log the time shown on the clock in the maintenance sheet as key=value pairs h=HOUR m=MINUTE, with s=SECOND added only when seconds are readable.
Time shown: h=9 m=52
